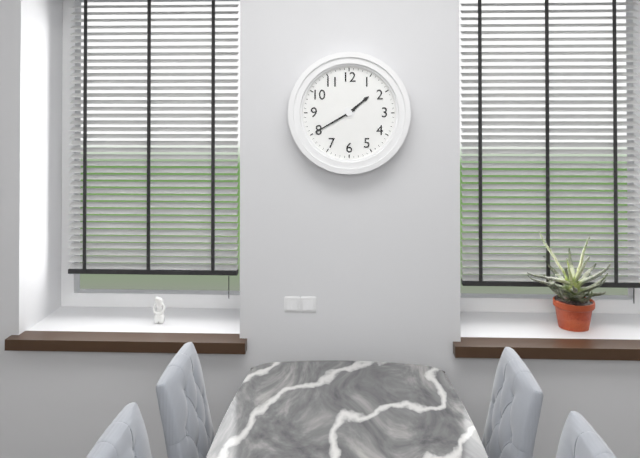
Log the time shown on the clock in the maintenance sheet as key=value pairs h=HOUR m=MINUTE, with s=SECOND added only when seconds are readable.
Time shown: h=1 m=40
